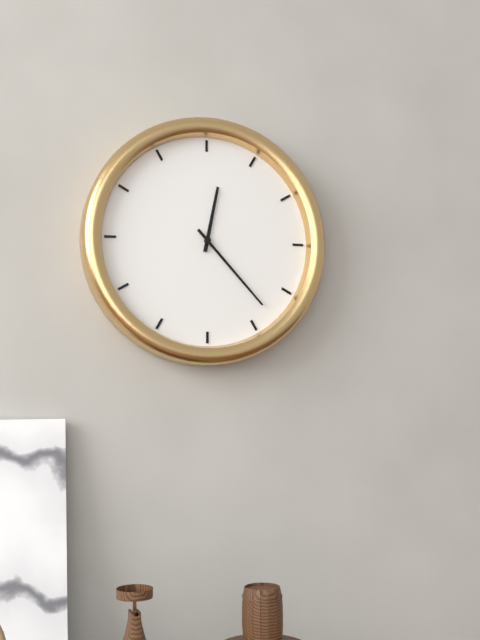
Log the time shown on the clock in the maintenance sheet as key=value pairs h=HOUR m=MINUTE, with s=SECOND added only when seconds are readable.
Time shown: h=12 m=23
